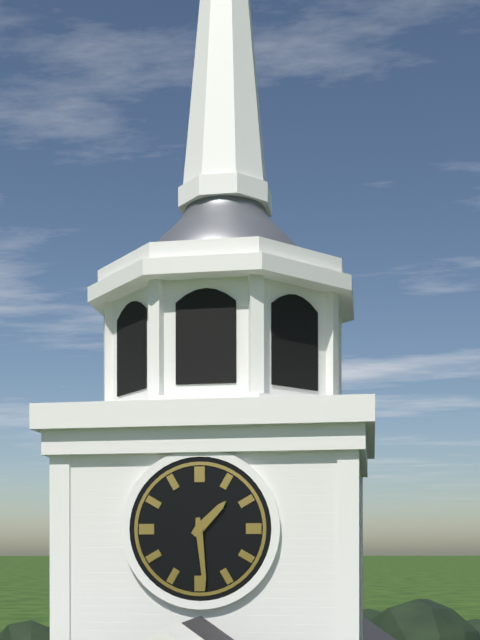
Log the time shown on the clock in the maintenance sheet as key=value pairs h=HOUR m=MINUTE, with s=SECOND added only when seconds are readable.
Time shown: h=1 m=29
